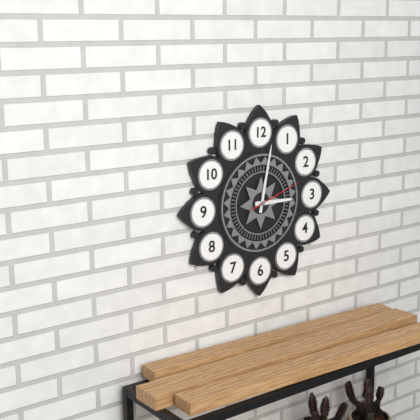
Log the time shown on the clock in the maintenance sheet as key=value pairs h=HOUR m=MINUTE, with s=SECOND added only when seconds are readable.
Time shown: h=3 m=2 s=12
